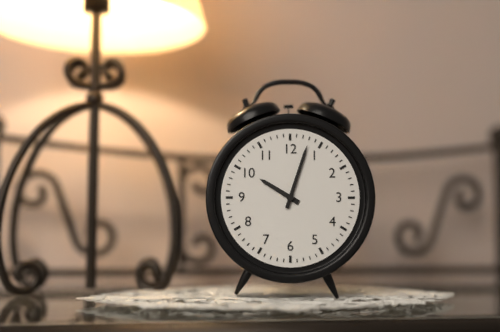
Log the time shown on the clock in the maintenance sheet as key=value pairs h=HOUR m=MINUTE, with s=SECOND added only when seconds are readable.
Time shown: h=10 m=3
